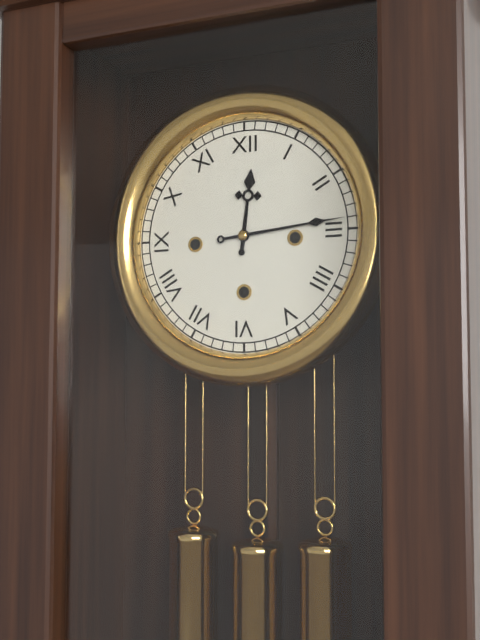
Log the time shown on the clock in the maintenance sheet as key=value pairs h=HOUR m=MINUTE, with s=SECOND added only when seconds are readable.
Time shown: h=12 m=14
